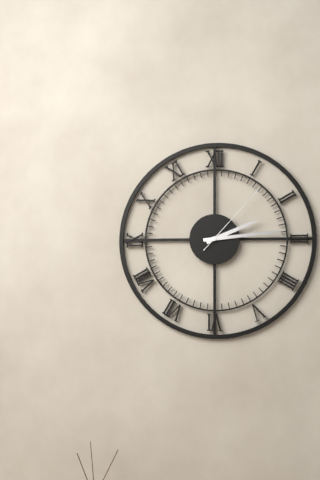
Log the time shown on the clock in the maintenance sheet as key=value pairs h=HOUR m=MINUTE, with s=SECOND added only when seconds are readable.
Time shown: h=2 m=14 s=7
